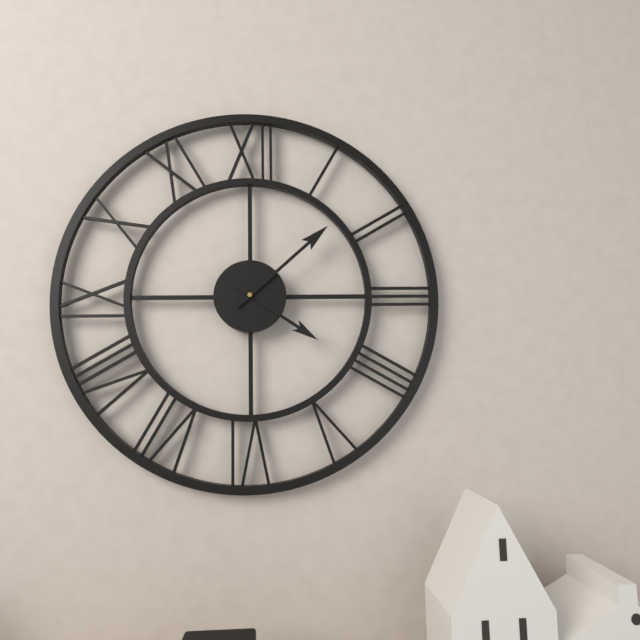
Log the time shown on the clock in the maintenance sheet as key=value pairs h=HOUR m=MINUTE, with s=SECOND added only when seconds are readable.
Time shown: h=4 m=8
